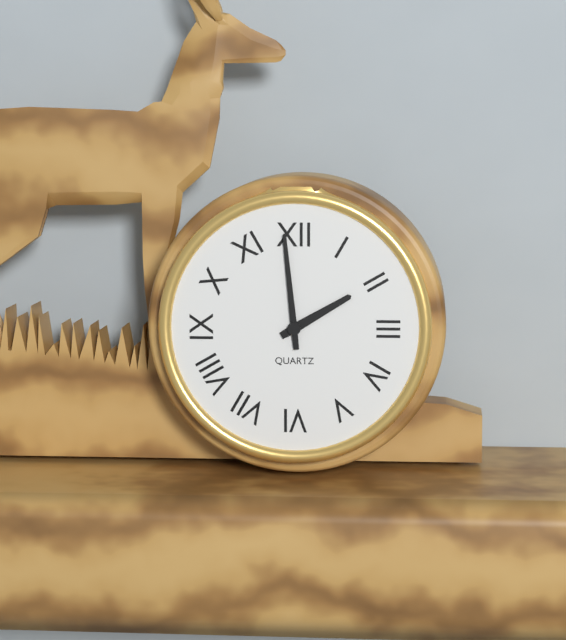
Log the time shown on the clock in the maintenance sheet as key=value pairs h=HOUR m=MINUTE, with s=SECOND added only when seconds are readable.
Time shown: h=1 m=59
